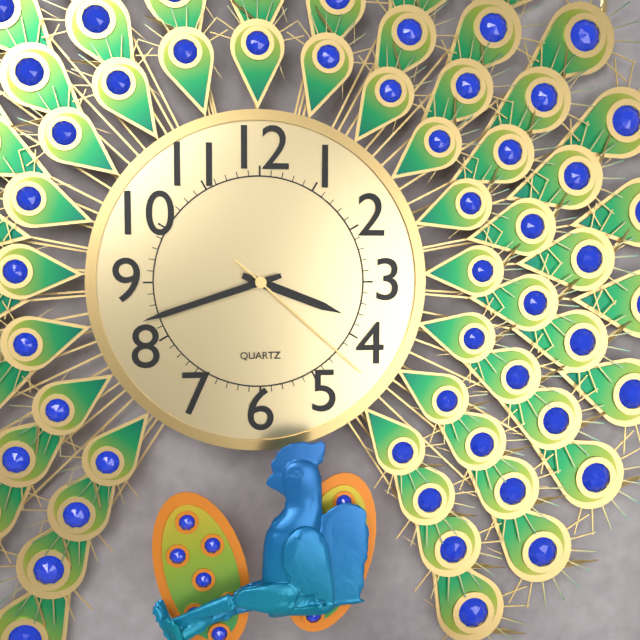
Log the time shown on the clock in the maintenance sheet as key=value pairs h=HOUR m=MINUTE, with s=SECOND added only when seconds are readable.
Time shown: h=3 m=42 s=22
